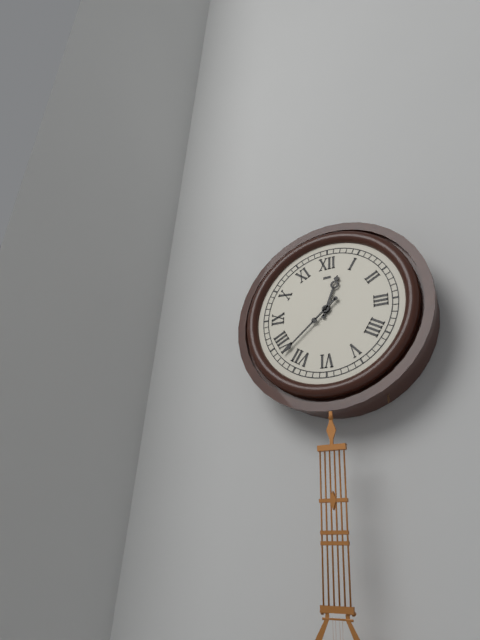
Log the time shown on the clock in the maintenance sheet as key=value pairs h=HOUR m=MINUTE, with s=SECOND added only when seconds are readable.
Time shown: h=12 m=38
